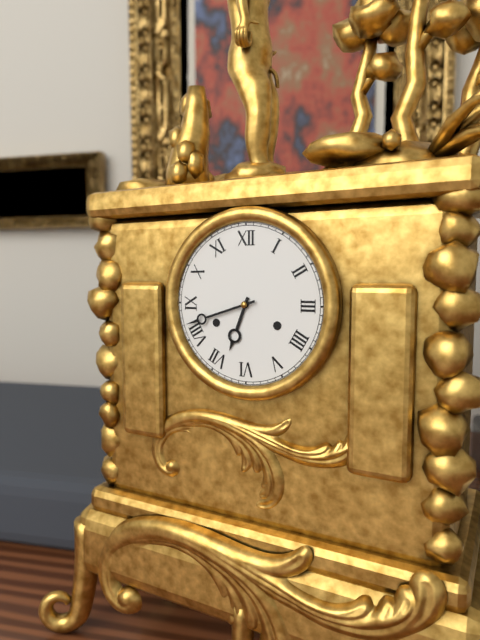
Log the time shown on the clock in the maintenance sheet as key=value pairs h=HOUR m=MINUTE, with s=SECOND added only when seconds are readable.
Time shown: h=6 m=42
